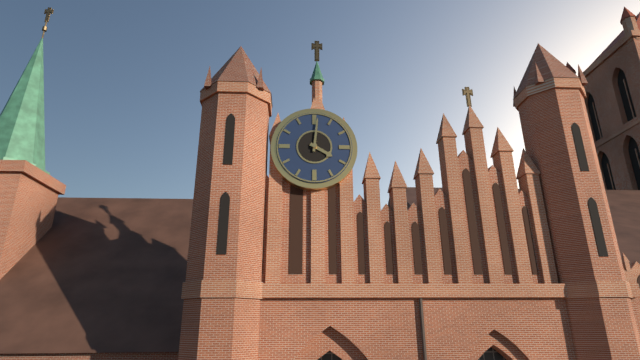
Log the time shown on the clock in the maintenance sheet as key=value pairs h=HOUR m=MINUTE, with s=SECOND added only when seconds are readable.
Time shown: h=4 m=1
